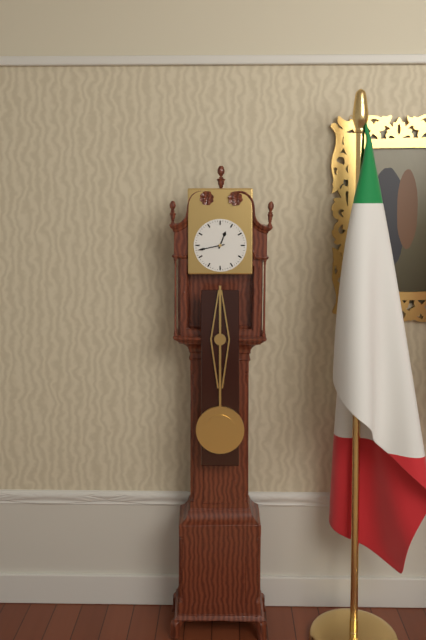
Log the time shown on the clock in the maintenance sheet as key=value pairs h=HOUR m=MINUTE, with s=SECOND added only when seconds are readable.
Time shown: h=12 m=43
